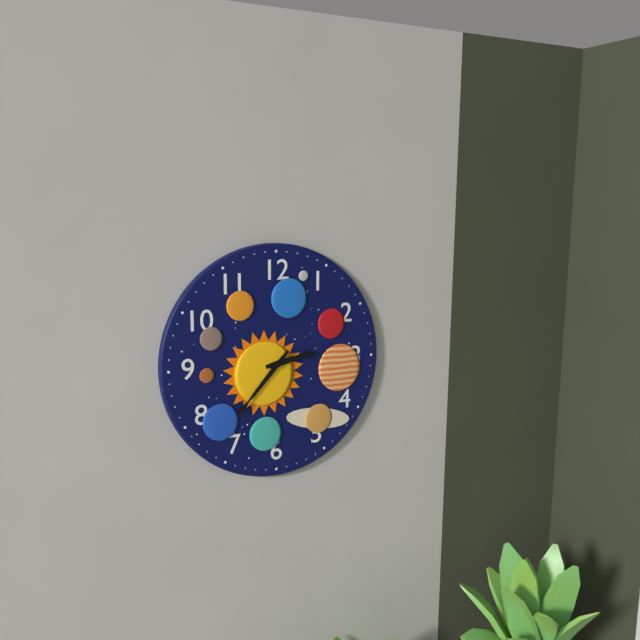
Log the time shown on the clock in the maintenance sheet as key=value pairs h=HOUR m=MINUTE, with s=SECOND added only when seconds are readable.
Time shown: h=2 m=37
